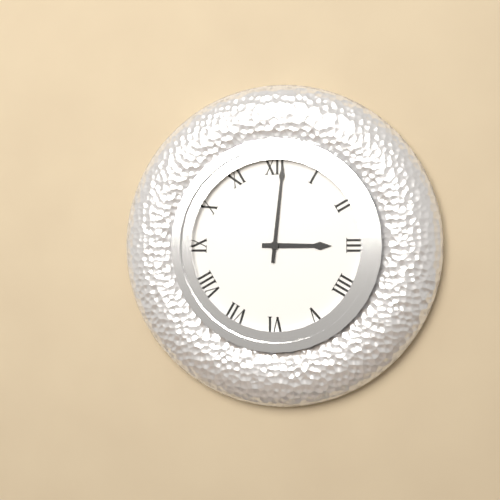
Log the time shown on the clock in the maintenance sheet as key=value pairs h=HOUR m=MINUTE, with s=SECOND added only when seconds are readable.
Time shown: h=3 m=1
